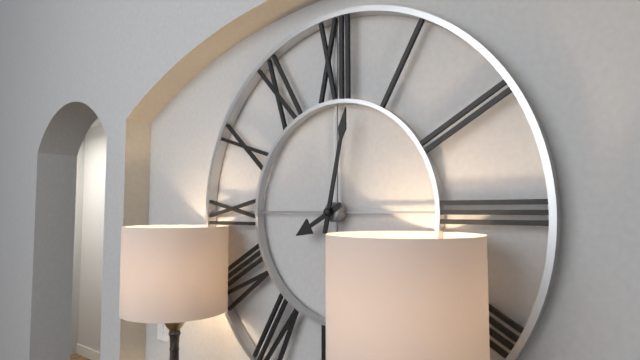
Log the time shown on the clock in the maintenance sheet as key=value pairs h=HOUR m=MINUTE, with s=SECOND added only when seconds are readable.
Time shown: h=8 m=2
